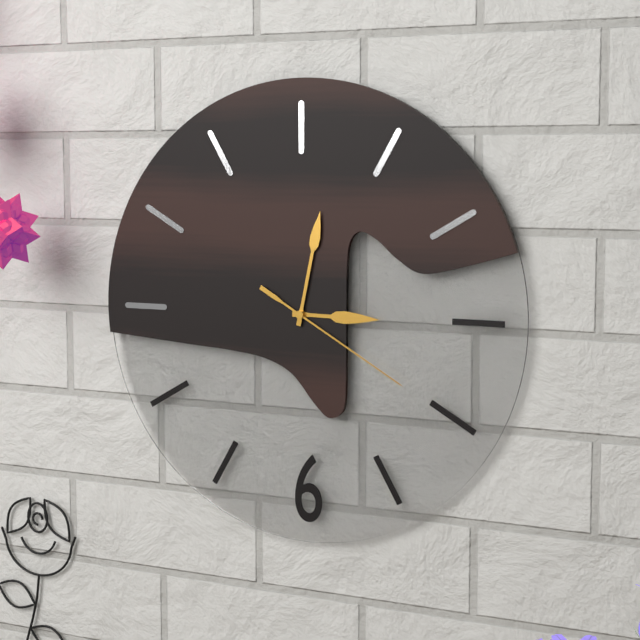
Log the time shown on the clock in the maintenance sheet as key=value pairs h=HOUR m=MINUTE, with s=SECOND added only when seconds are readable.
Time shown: h=3 m=2 s=20
